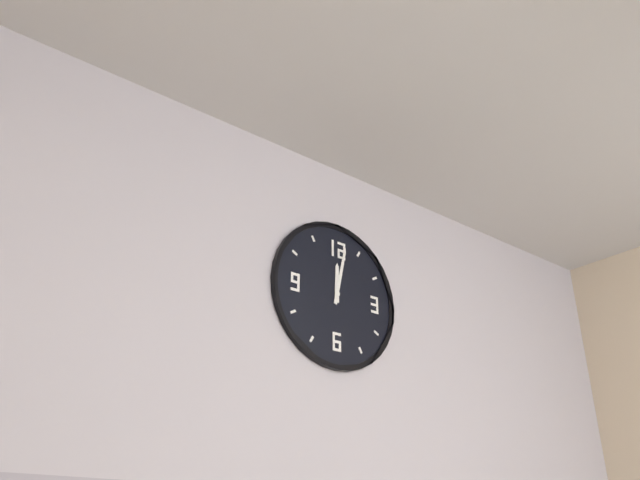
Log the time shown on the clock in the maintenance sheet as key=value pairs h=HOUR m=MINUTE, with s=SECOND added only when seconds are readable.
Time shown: h=12 m=2
